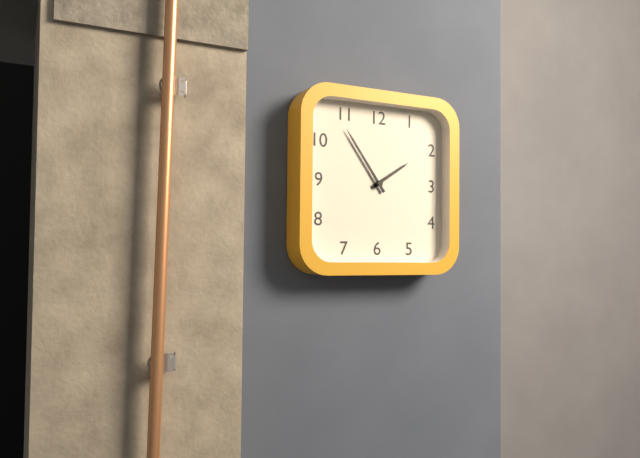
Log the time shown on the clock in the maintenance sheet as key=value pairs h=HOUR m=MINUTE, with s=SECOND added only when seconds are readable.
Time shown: h=1 m=54
